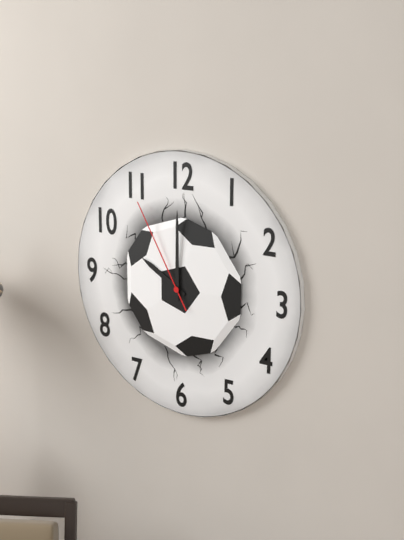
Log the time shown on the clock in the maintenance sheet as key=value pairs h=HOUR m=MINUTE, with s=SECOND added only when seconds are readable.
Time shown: h=10 m=0 s=55
